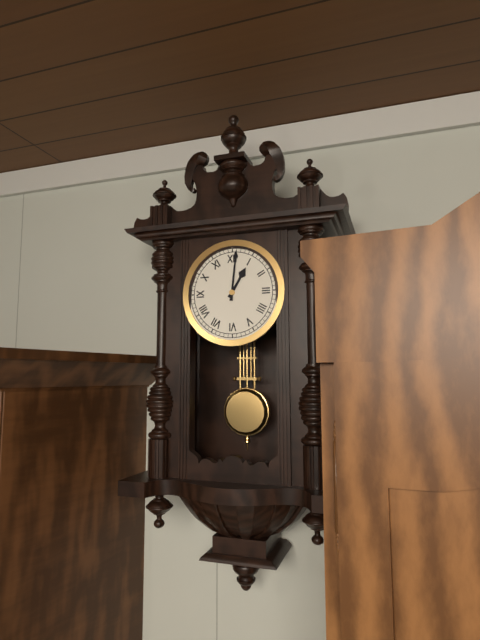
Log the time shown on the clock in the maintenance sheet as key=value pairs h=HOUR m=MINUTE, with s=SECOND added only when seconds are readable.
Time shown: h=1 m=1
